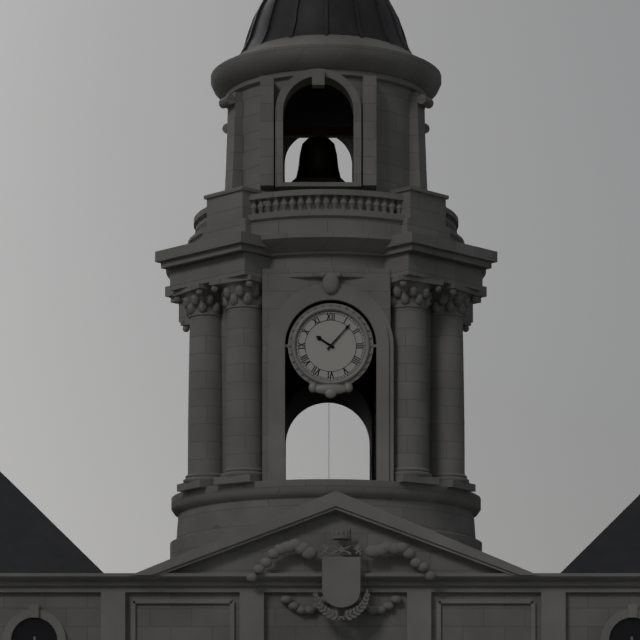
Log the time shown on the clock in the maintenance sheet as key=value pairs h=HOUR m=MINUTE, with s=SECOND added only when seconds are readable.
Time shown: h=10 m=7
